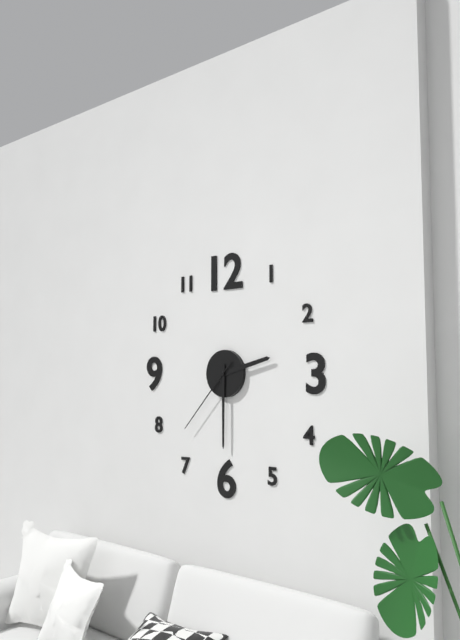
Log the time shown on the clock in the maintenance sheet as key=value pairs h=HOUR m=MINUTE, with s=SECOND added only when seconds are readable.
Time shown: h=2 m=30 s=37
